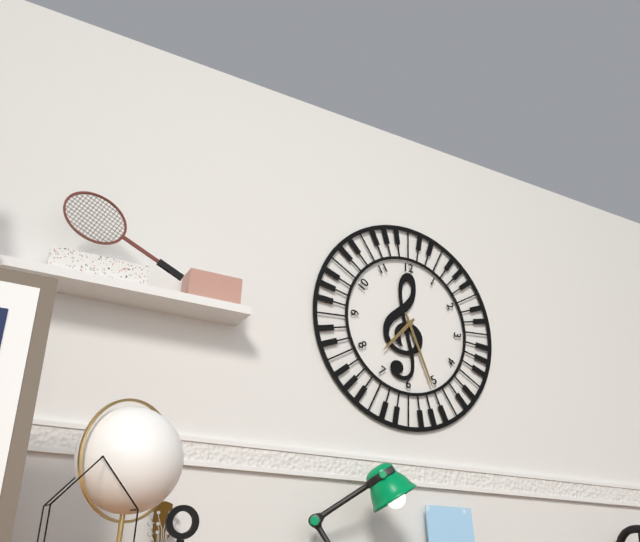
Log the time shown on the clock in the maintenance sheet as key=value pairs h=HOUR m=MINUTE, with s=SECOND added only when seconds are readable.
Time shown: h=7 m=26
